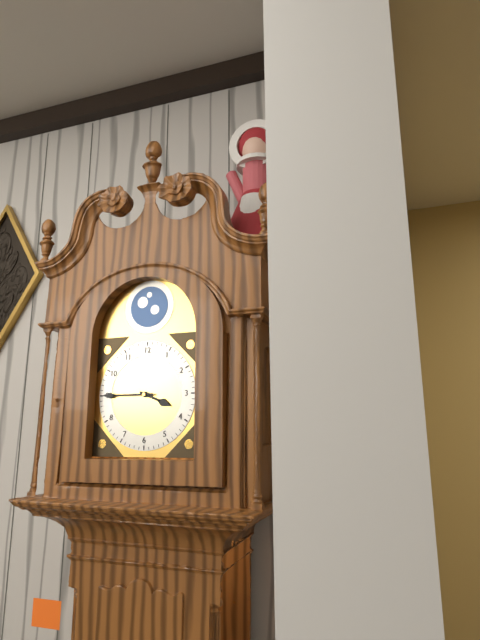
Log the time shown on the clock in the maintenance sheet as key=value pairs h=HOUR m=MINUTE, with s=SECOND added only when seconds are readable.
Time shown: h=3 m=45
